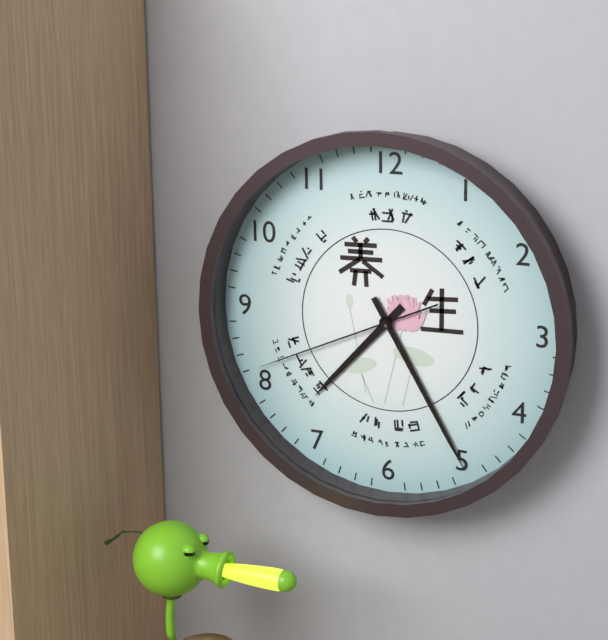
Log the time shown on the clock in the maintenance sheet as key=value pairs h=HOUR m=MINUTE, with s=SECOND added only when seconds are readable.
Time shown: h=7 m=25 s=41
